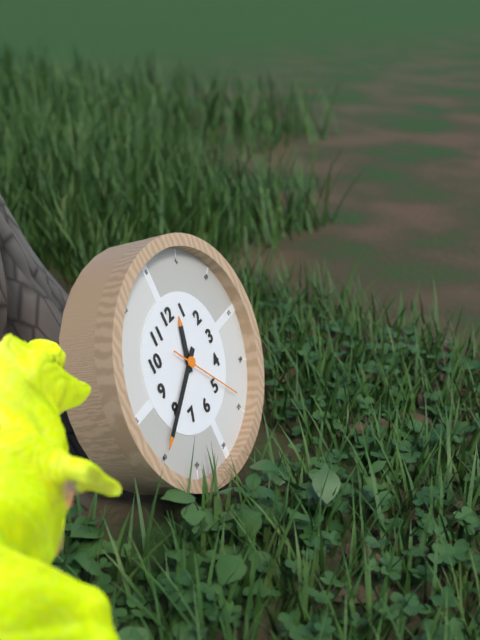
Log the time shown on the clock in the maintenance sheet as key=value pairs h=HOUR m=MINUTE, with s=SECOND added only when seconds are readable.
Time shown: h=12 m=40 s=24
